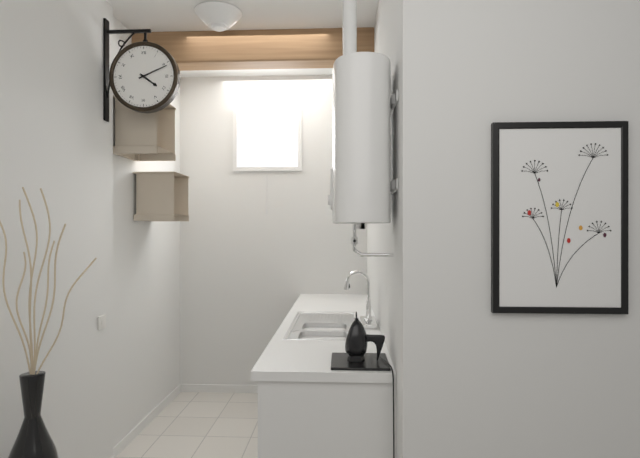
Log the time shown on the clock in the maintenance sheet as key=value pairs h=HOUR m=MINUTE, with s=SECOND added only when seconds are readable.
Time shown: h=4 m=11
